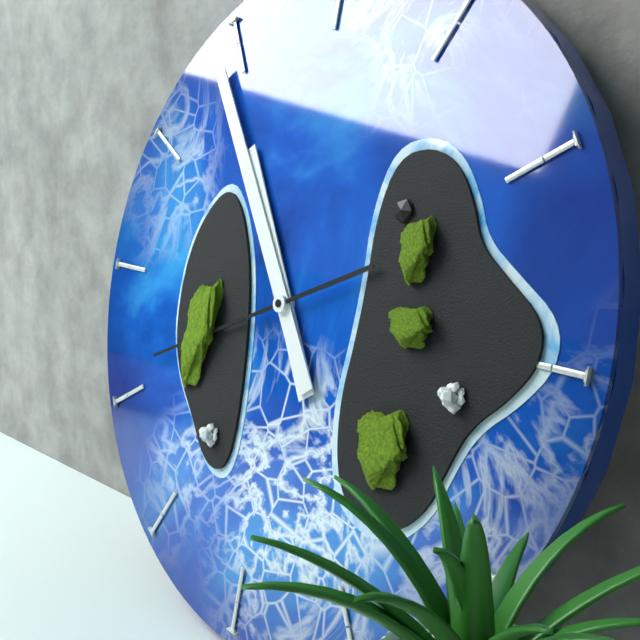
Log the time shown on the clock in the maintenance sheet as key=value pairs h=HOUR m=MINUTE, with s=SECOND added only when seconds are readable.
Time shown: h=10 m=54 s=41
